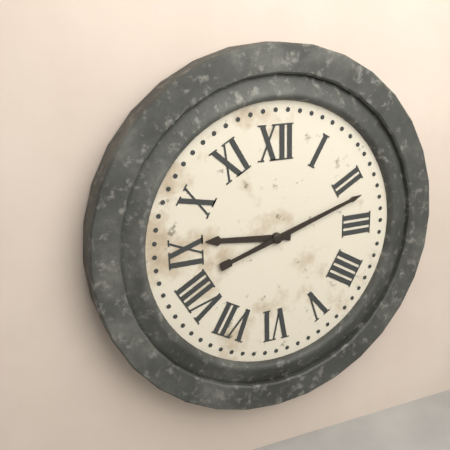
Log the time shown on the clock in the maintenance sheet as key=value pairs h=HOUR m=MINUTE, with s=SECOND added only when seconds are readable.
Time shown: h=9 m=12
